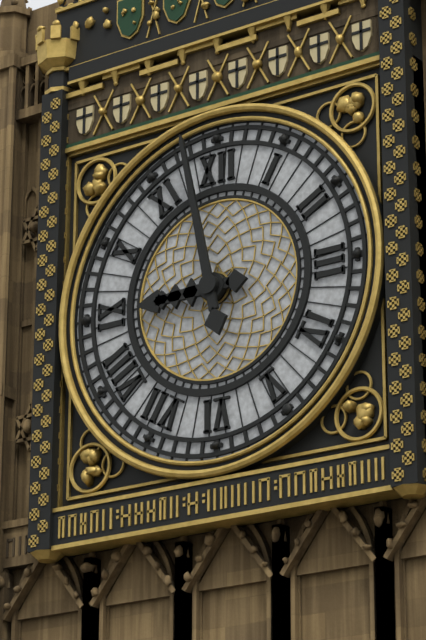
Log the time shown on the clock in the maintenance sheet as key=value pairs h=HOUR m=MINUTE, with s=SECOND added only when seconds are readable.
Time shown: h=8 m=58
